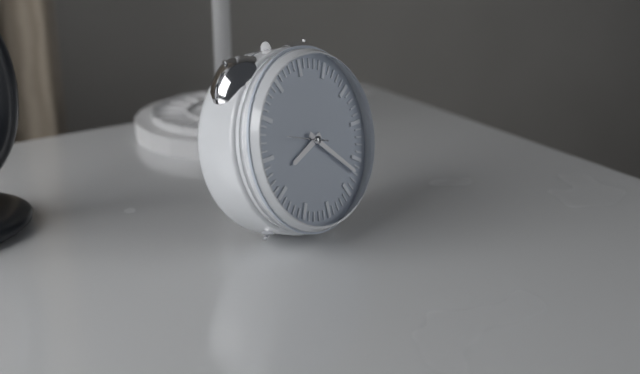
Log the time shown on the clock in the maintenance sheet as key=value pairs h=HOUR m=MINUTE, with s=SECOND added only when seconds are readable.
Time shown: h=8 m=22
